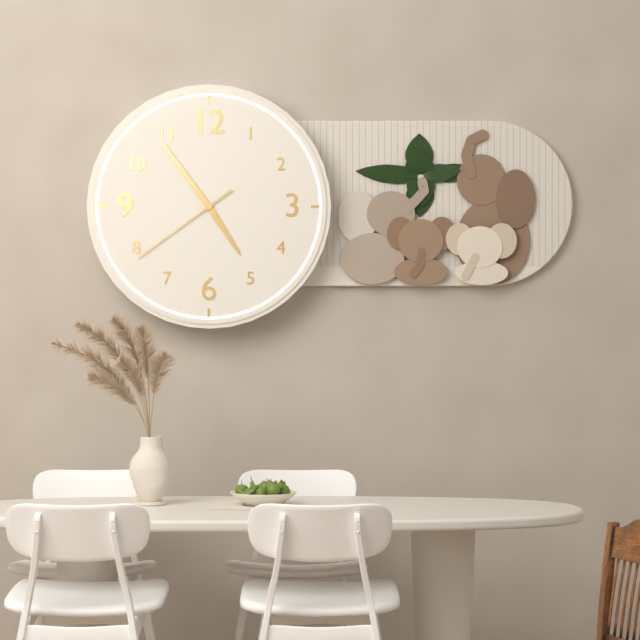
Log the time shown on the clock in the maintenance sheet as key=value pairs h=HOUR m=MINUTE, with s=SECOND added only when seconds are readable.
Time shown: h=4 m=54 s=39
